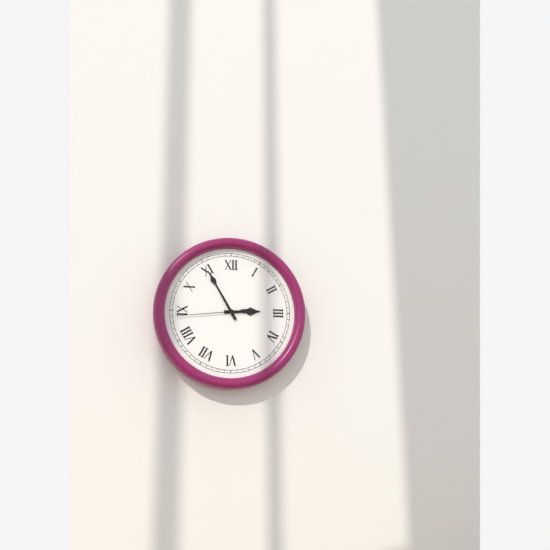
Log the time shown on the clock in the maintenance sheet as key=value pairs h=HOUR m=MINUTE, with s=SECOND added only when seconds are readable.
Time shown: h=2 m=55 s=44
